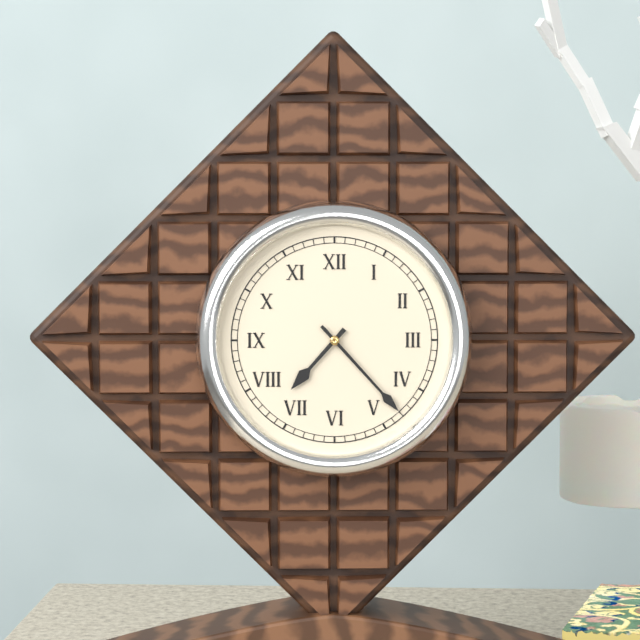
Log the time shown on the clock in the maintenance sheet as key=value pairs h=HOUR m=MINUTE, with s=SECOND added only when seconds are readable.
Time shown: h=7 m=23
